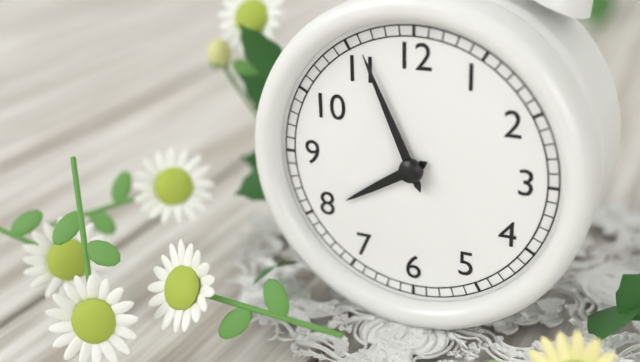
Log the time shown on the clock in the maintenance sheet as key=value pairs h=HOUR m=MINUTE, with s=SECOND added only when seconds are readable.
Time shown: h=7 m=56
